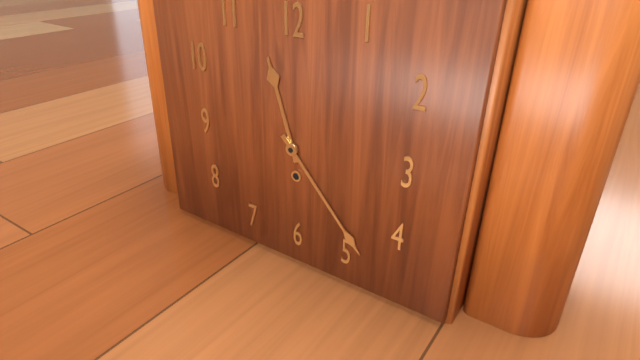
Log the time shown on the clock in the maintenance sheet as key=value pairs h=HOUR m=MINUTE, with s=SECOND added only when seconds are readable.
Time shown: h=11 m=23
